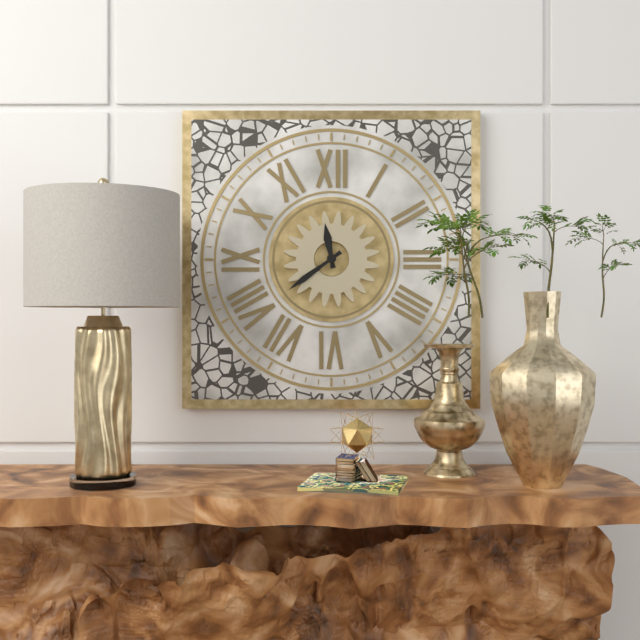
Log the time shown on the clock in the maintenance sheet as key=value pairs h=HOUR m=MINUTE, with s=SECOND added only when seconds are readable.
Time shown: h=11 m=39
